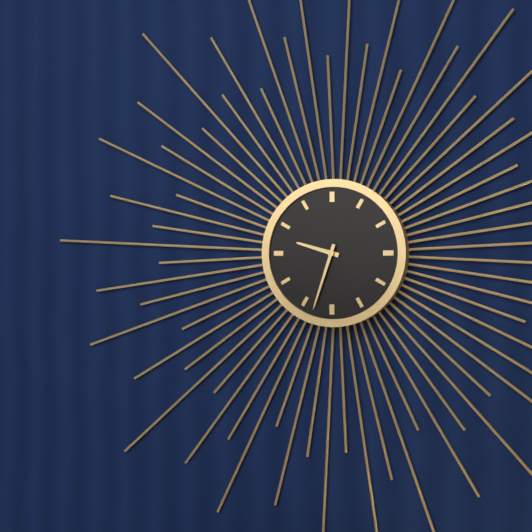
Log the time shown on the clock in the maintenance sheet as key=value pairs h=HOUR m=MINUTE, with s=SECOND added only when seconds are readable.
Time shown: h=9 m=33
